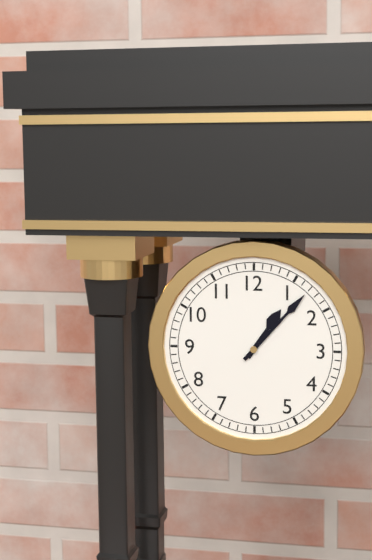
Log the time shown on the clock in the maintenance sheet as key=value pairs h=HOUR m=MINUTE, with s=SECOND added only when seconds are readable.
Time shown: h=1 m=7
